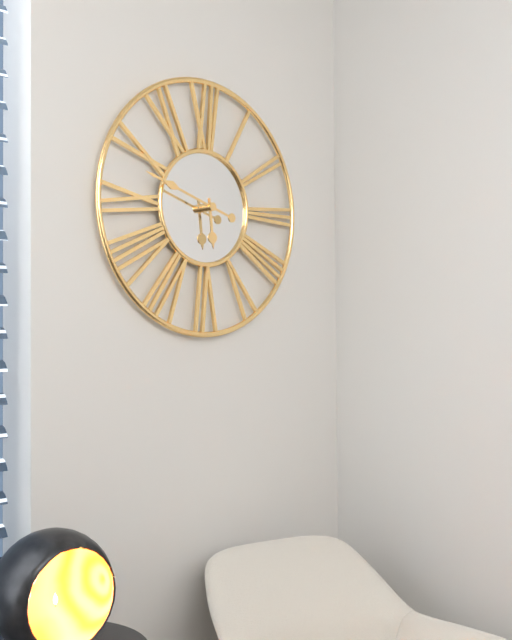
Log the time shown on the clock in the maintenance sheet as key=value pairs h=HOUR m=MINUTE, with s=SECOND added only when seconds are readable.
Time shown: h=5 m=48
